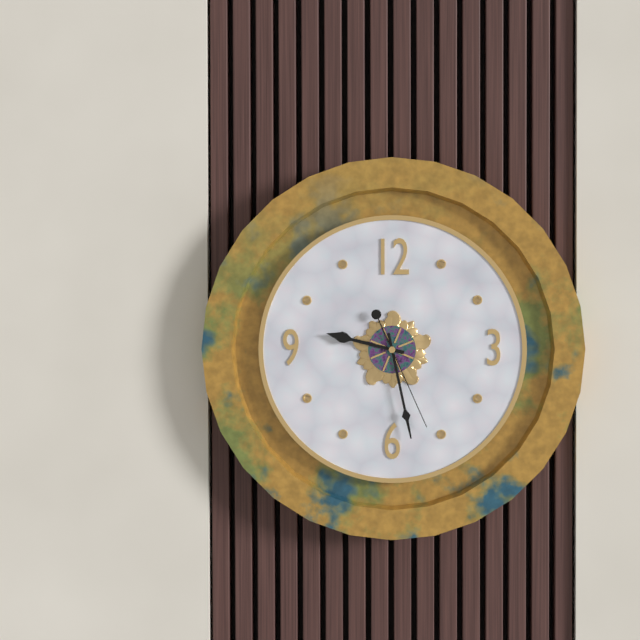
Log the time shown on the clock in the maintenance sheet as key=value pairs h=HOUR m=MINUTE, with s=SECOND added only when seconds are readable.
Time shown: h=9 m=28 s=26
